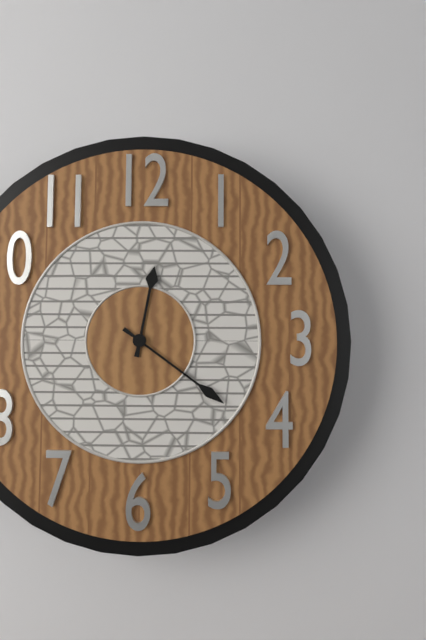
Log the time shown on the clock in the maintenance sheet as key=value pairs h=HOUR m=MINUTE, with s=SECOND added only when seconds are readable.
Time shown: h=12 m=21
